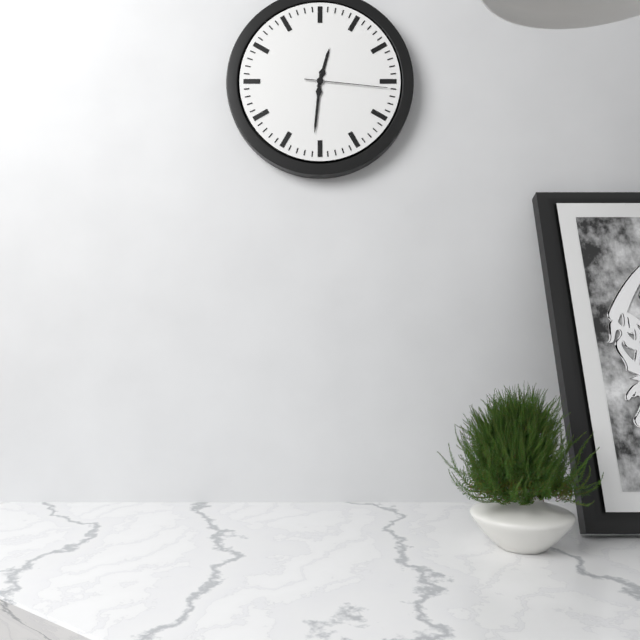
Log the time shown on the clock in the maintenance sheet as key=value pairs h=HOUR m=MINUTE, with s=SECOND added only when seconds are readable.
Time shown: h=12 m=31 s=16
